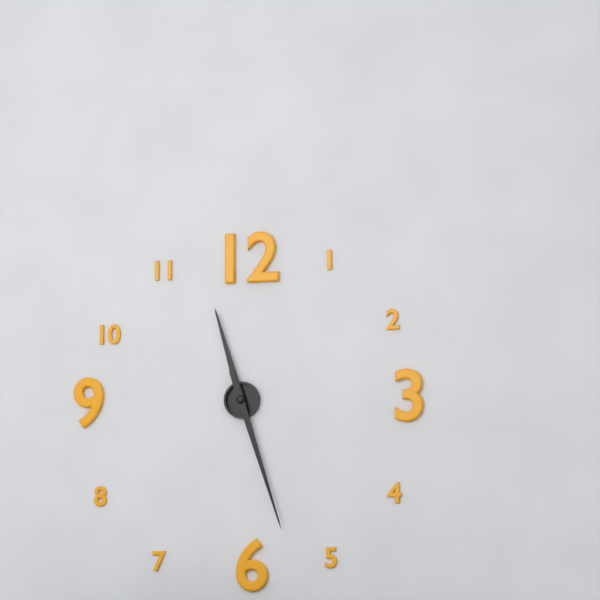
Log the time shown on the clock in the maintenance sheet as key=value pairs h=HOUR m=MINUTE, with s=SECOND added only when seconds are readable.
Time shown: h=11 m=27
